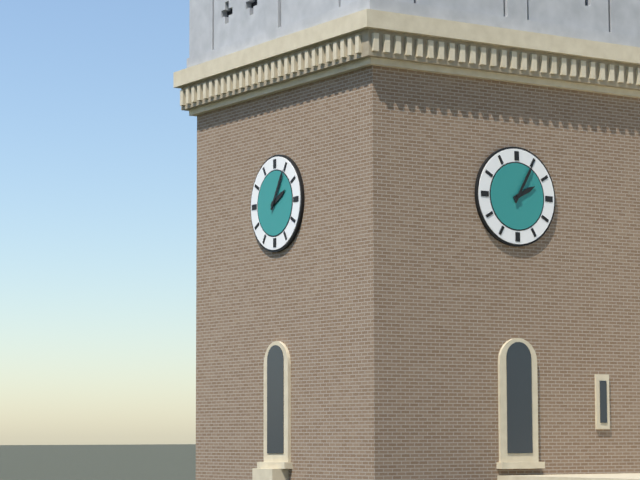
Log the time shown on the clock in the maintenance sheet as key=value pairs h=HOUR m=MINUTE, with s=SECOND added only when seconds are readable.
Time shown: h=2 m=5
